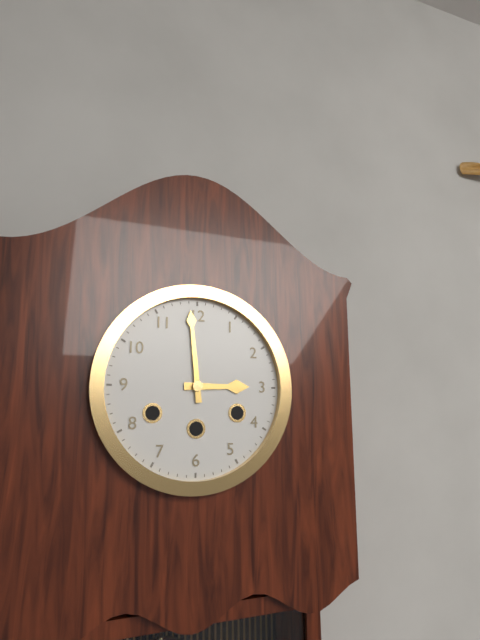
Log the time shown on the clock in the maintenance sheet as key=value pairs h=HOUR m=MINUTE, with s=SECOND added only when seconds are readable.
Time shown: h=2 m=59
